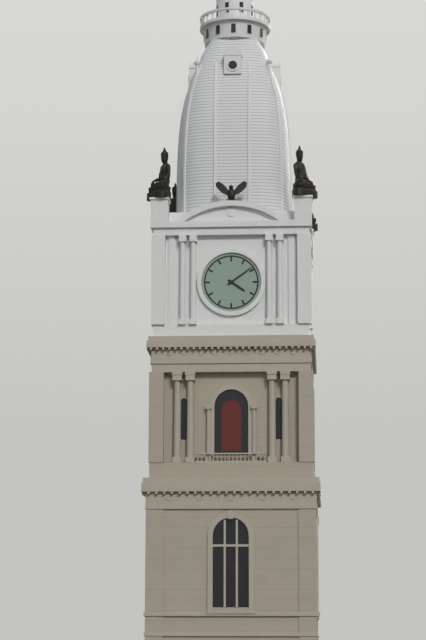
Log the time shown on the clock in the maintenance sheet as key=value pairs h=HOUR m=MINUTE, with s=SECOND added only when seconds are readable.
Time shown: h=4 m=9
